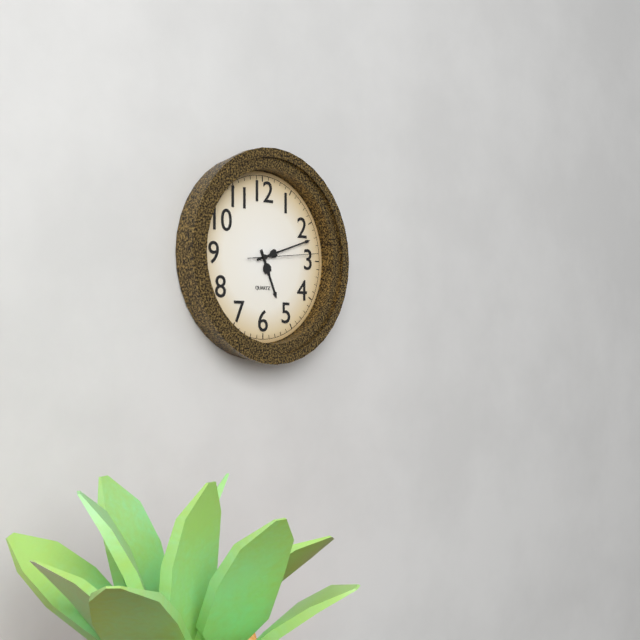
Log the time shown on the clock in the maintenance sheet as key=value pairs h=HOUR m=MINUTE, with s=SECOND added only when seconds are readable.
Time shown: h=5 m=12 s=14
